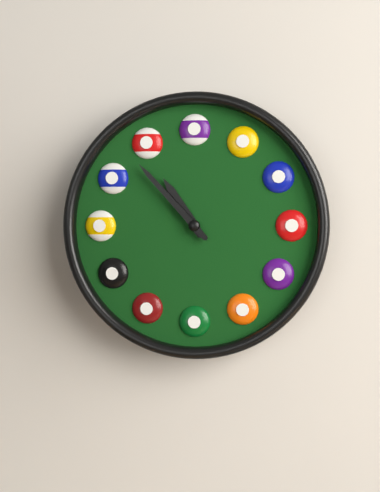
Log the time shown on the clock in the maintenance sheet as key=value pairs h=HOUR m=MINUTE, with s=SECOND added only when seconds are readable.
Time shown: h=10 m=53
